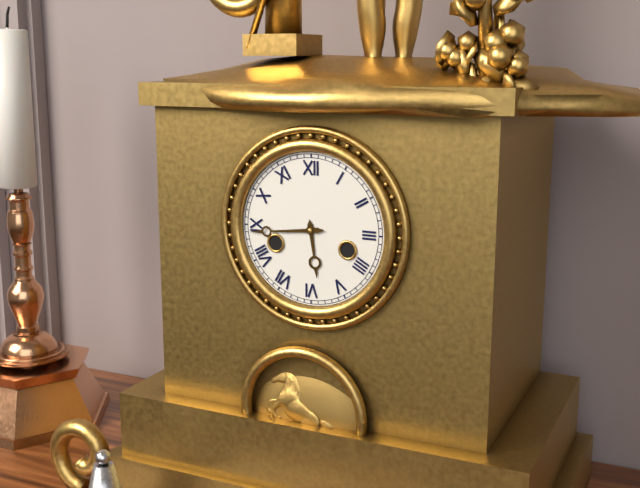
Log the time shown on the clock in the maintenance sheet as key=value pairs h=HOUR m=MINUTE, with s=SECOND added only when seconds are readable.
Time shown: h=5 m=44
